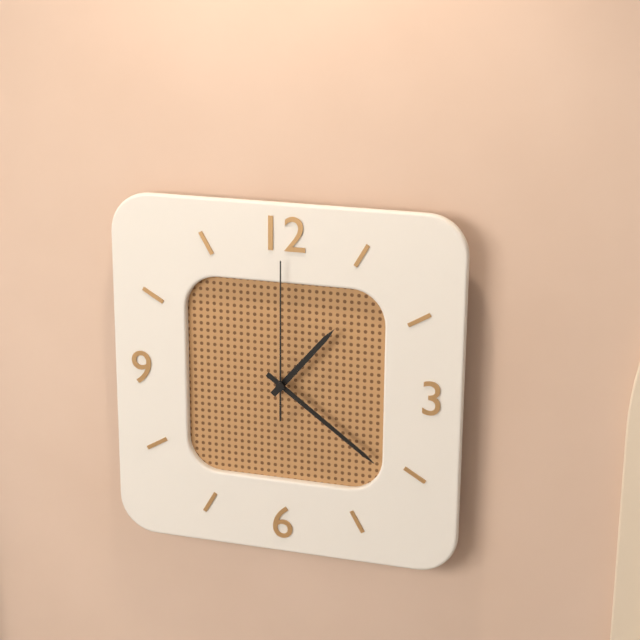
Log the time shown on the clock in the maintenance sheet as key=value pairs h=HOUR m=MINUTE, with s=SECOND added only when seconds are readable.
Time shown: h=1 m=21 s=0
